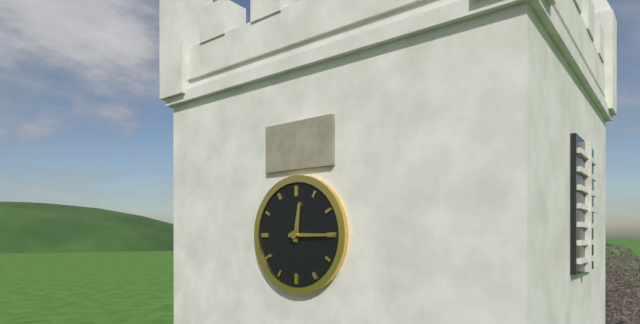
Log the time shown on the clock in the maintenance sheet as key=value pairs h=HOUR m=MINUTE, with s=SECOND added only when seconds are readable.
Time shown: h=12 m=15
